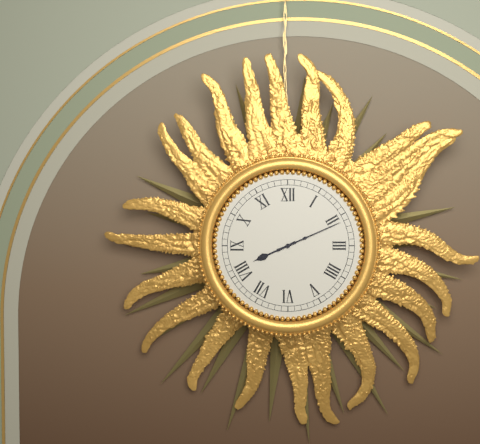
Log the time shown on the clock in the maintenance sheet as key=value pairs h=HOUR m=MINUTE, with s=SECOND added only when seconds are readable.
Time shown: h=8 m=11
